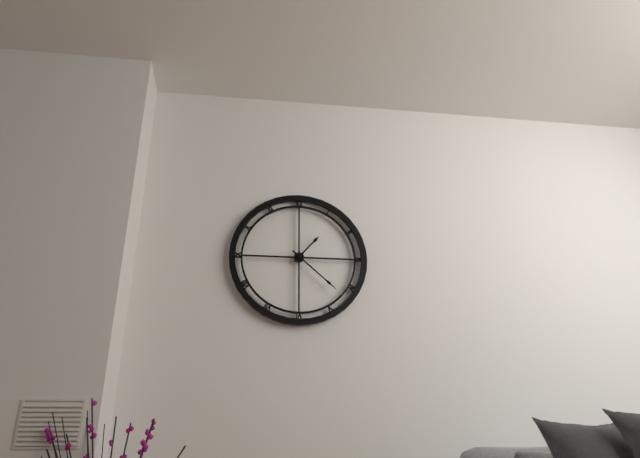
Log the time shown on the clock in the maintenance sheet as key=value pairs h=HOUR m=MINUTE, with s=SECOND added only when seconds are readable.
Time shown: h=1 m=22
